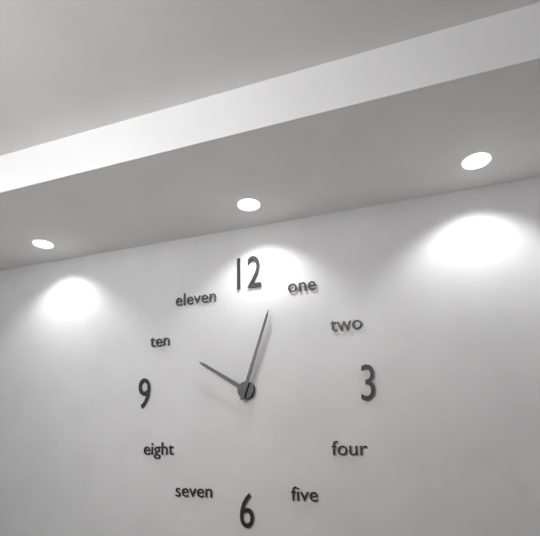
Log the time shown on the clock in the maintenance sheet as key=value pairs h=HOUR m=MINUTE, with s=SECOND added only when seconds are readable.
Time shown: h=10 m=3
